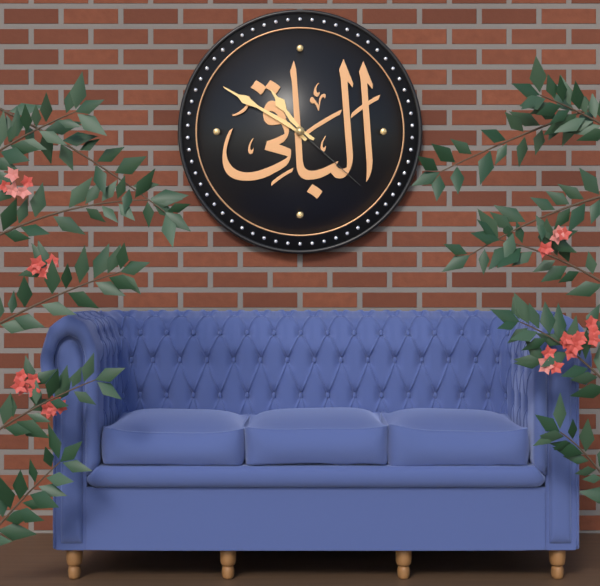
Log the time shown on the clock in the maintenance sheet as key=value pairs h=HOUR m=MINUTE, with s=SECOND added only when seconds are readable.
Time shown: h=10 m=50 s=22
